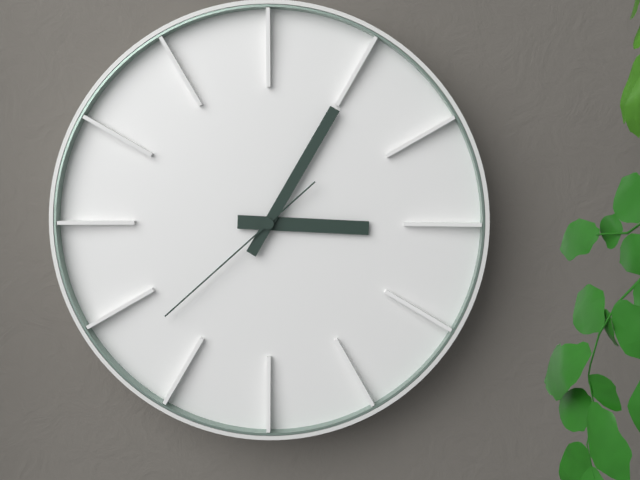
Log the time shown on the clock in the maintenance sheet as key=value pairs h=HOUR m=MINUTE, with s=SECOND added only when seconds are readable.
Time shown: h=3 m=5 s=38
